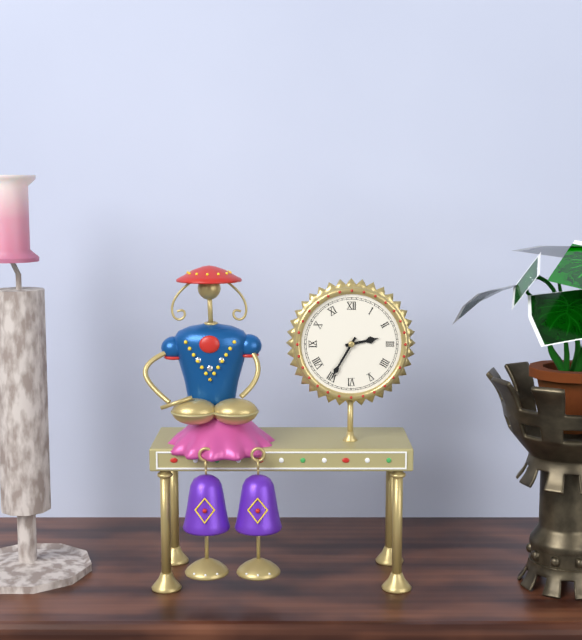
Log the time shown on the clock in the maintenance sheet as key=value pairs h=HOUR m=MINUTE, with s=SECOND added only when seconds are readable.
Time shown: h=2 m=35
